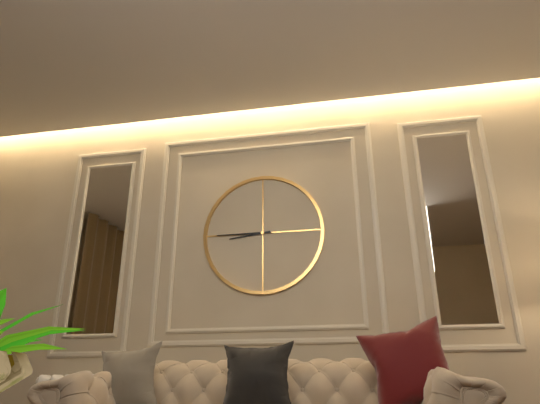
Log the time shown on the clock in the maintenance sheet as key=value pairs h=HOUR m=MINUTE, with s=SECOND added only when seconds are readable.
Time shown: h=8 m=45
